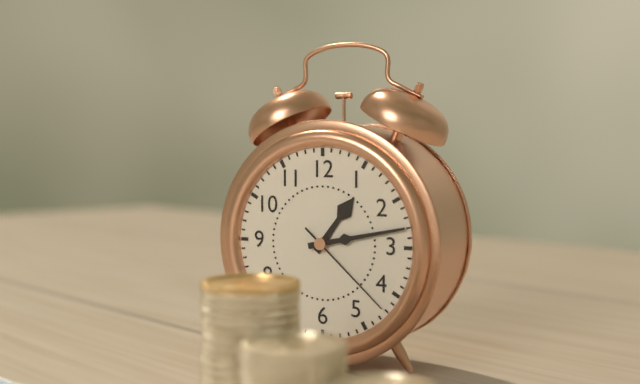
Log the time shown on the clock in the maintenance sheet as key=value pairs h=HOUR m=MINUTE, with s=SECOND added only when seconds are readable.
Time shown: h=1 m=13 s=22
